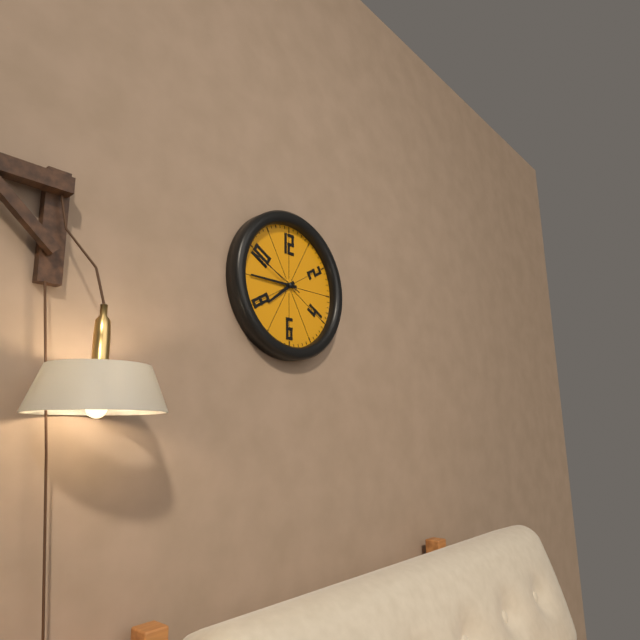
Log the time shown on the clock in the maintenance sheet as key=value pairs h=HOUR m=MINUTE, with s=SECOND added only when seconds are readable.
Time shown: h=7 m=45 s=49
